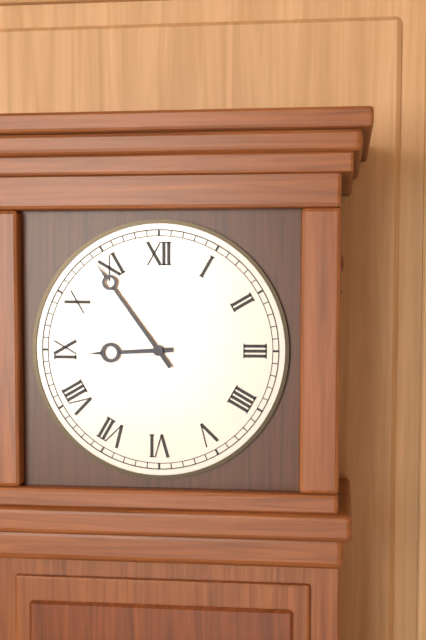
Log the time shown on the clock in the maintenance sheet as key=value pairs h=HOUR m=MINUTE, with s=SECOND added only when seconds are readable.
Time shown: h=8 m=54
